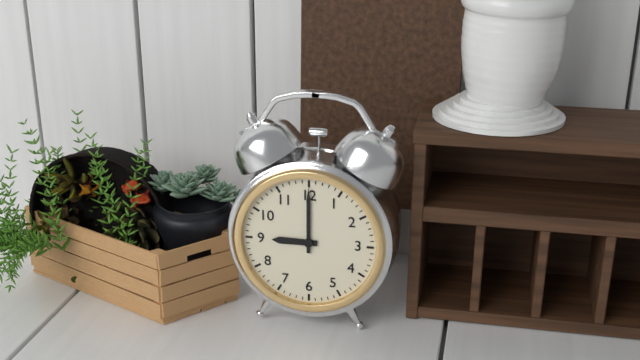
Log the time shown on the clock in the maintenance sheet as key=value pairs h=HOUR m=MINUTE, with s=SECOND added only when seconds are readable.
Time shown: h=9 m=0
